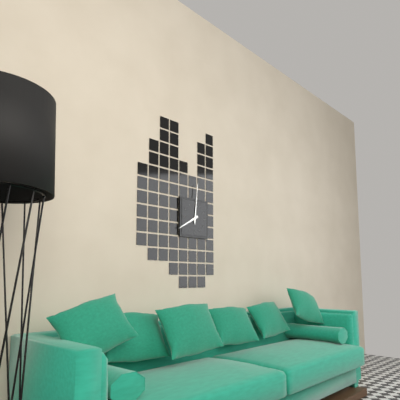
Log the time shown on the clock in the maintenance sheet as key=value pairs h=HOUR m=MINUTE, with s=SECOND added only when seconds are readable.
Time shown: h=8 m=1
